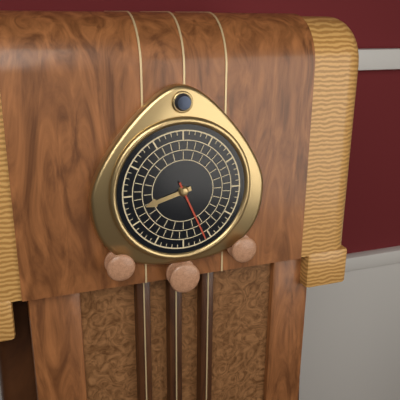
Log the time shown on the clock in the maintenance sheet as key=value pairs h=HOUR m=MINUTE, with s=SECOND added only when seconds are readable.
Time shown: h=8 m=26
